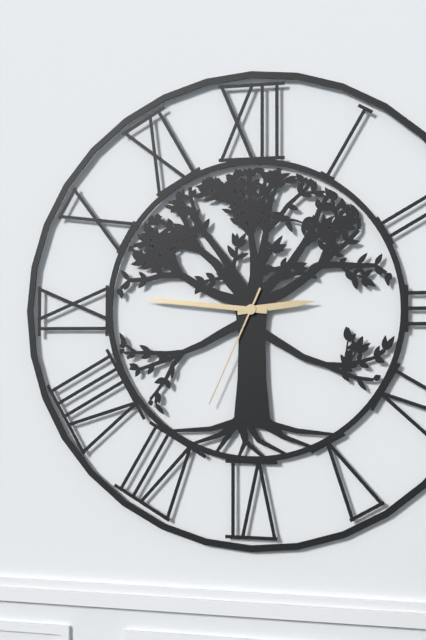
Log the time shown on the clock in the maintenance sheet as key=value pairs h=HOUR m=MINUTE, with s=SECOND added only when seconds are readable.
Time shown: h=2 m=46 s=34
